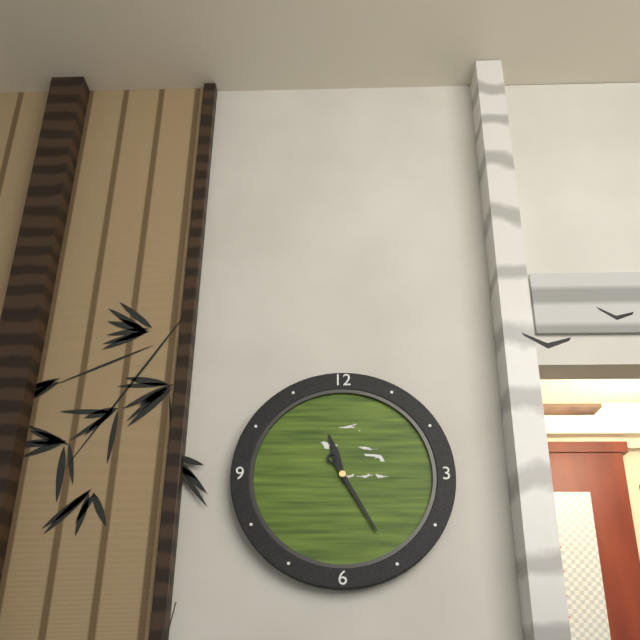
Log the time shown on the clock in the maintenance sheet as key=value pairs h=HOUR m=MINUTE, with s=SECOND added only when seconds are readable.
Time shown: h=11 m=25
